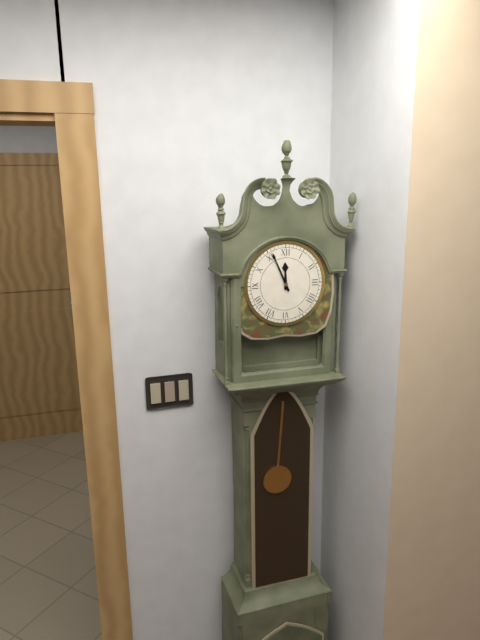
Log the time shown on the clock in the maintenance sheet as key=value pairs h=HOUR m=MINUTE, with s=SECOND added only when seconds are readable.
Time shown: h=11 m=56
